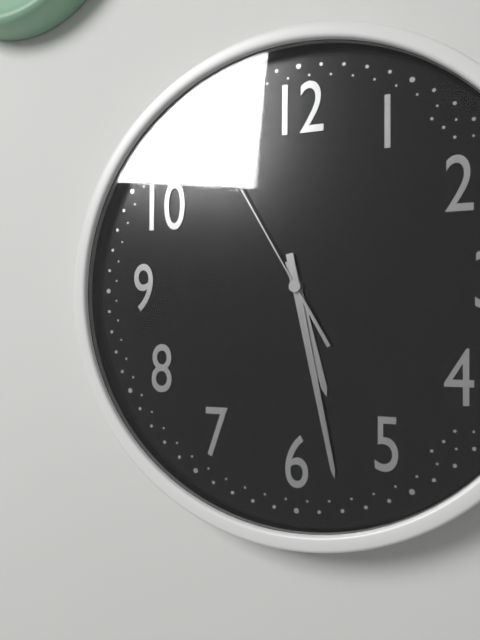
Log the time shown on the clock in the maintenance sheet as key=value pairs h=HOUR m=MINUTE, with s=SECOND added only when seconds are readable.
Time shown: h=5 m=28 s=55
